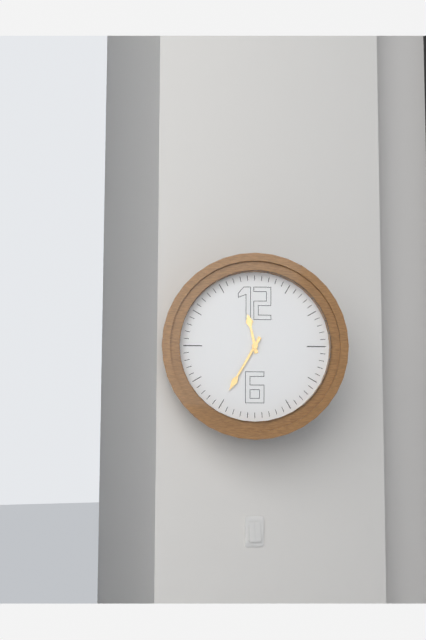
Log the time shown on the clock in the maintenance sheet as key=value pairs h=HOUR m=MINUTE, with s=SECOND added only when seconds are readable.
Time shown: h=11 m=35
